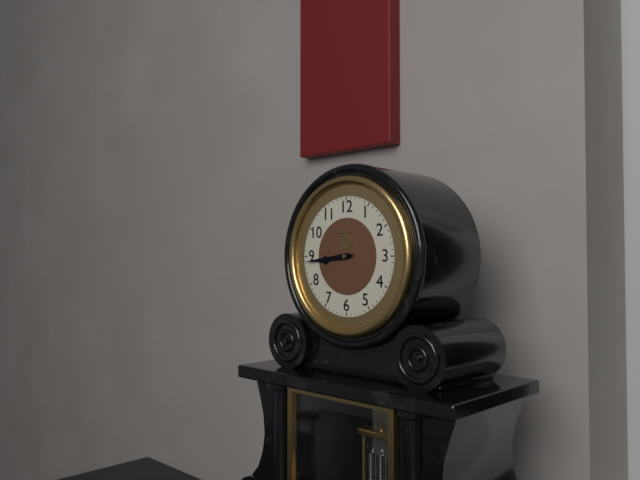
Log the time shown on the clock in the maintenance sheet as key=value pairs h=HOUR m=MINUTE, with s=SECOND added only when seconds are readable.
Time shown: h=8 m=44
